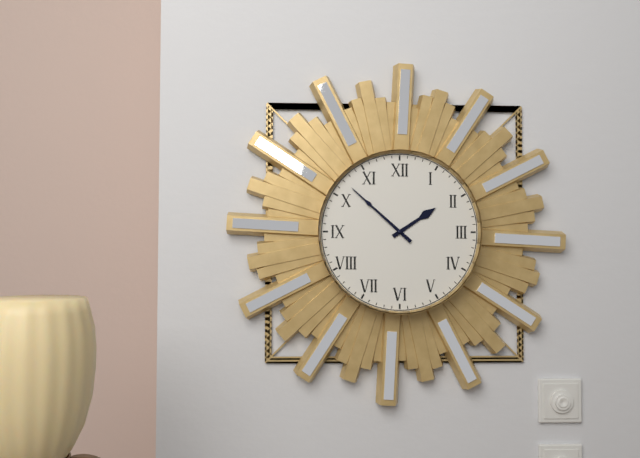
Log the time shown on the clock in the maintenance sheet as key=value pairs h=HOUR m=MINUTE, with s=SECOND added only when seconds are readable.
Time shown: h=1 m=52
